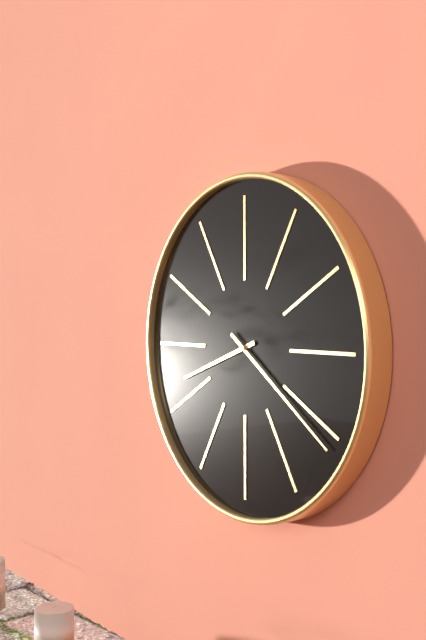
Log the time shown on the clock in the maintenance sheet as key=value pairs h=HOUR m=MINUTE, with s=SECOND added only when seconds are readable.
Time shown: h=8 m=21
